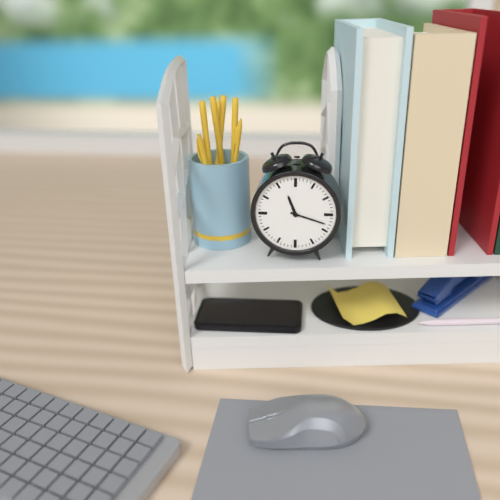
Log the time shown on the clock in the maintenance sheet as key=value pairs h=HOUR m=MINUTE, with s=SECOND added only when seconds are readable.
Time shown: h=11 m=18
